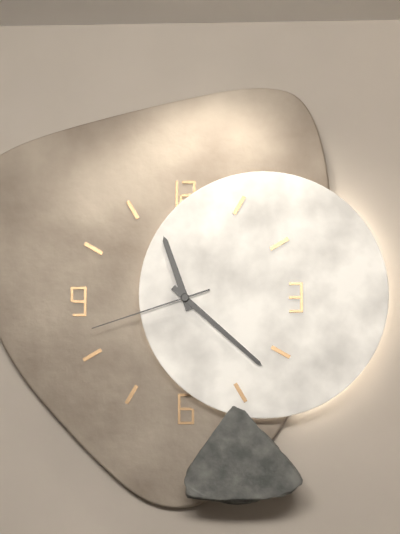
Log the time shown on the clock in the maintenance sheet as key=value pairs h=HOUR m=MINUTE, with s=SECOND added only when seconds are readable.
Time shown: h=11 m=22 s=42
